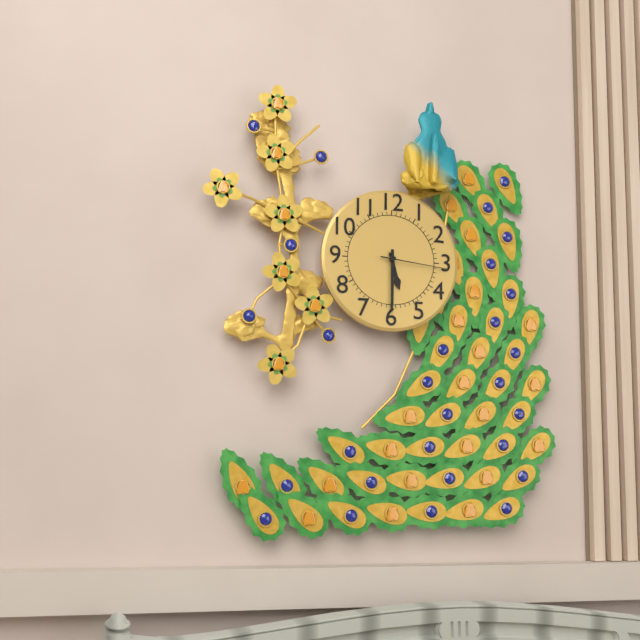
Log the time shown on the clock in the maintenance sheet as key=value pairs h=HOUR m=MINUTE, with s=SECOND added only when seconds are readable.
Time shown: h=5 m=30 s=16
